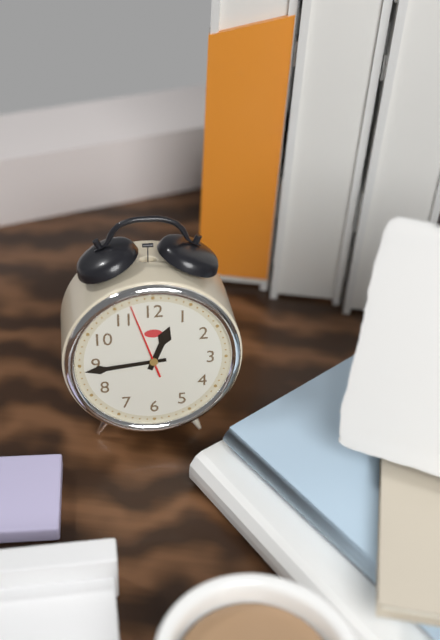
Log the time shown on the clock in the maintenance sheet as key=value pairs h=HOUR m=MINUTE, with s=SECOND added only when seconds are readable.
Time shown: h=12 m=44 s=57
